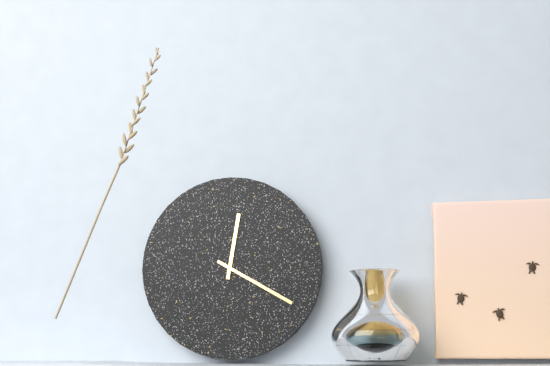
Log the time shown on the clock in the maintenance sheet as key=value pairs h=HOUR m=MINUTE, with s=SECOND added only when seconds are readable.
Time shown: h=12 m=20
